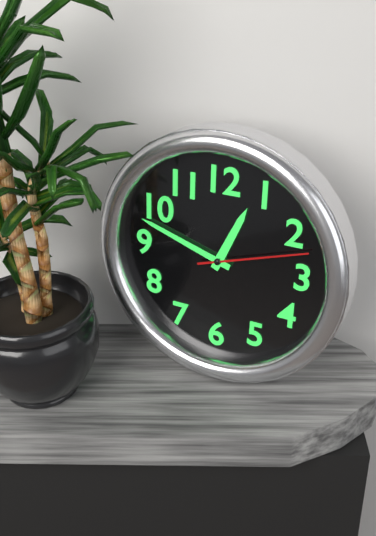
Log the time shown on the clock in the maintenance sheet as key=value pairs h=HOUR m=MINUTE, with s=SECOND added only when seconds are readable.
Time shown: h=12 m=48 s=12
